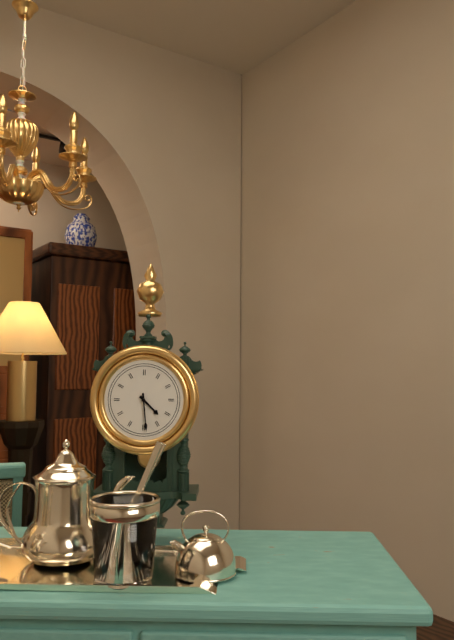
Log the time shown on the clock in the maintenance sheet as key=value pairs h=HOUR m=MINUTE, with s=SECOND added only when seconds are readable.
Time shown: h=4 m=29
